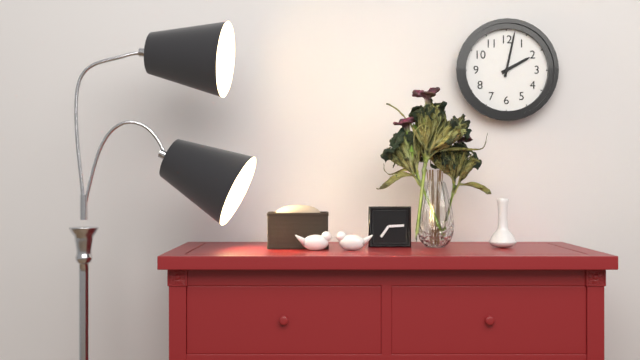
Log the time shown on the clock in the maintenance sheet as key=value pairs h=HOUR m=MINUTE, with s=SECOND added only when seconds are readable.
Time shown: h=2 m=2
